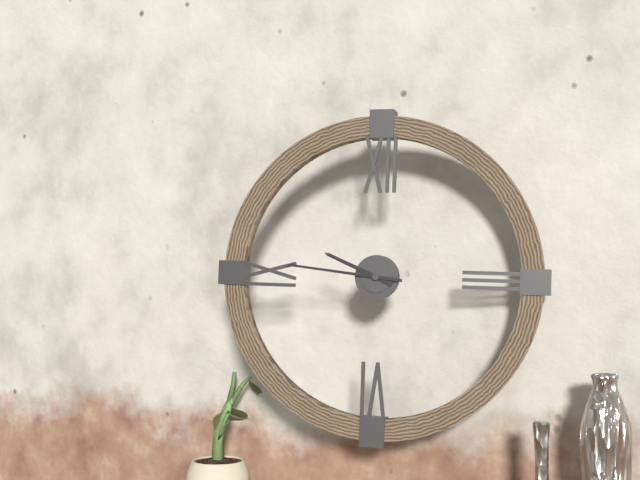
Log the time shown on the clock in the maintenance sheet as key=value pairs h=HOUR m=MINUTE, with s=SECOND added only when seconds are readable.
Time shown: h=9 m=46
